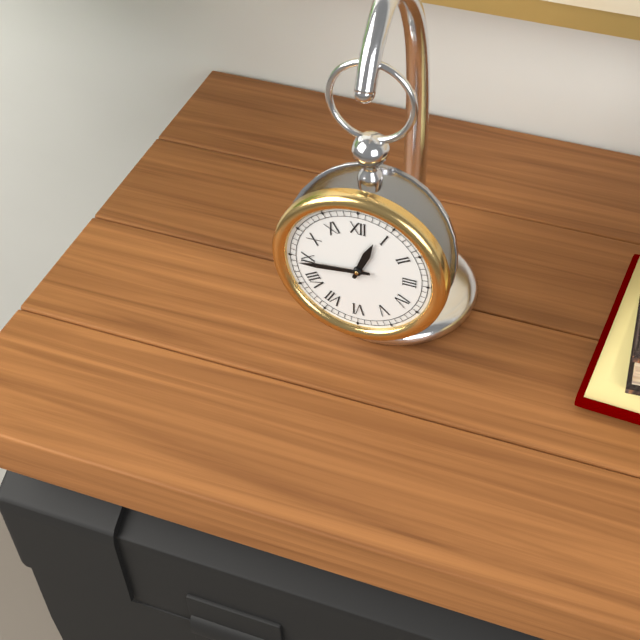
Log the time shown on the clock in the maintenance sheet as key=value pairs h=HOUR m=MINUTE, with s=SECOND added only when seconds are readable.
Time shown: h=12 m=44
